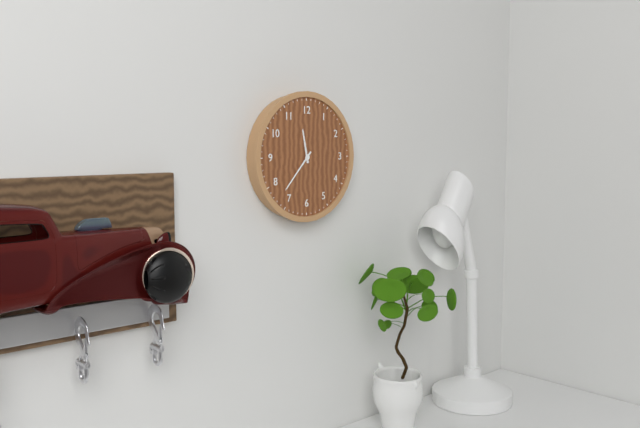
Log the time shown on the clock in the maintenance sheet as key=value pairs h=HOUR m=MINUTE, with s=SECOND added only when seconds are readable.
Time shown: h=11 m=37
